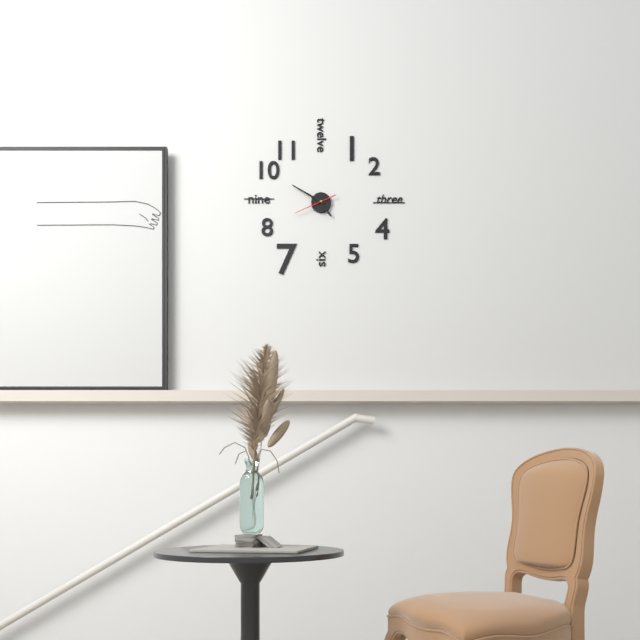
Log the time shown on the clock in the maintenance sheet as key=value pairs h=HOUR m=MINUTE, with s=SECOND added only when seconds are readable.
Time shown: h=4 m=50
